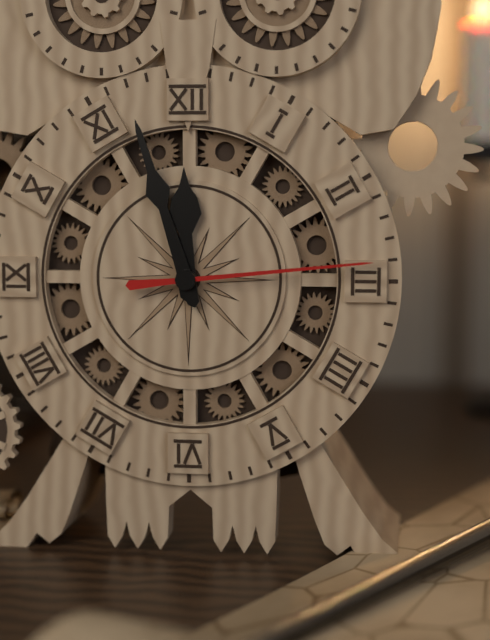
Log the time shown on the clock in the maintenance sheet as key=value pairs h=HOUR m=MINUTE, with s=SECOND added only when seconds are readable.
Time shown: h=11 m=57 s=14
